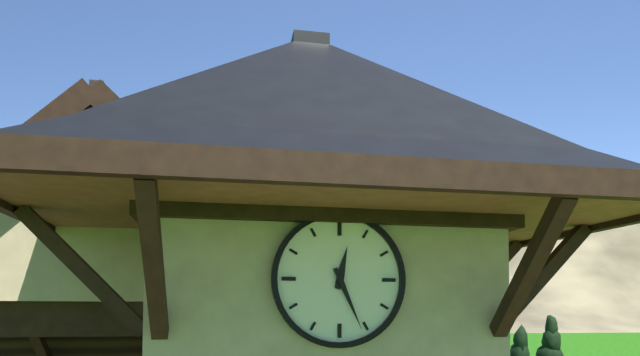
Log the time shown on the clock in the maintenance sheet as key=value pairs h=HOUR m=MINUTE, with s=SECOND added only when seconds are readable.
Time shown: h=12 m=26
